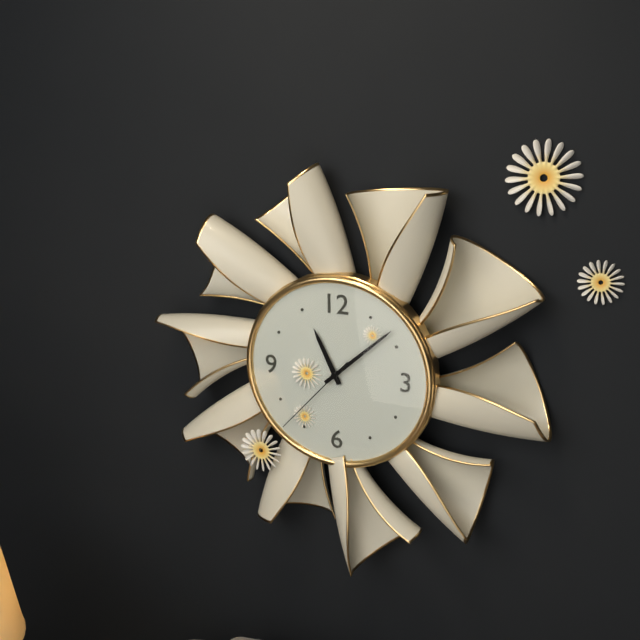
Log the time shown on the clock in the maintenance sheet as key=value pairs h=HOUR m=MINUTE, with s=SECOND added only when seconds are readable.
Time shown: h=11 m=8 s=37
